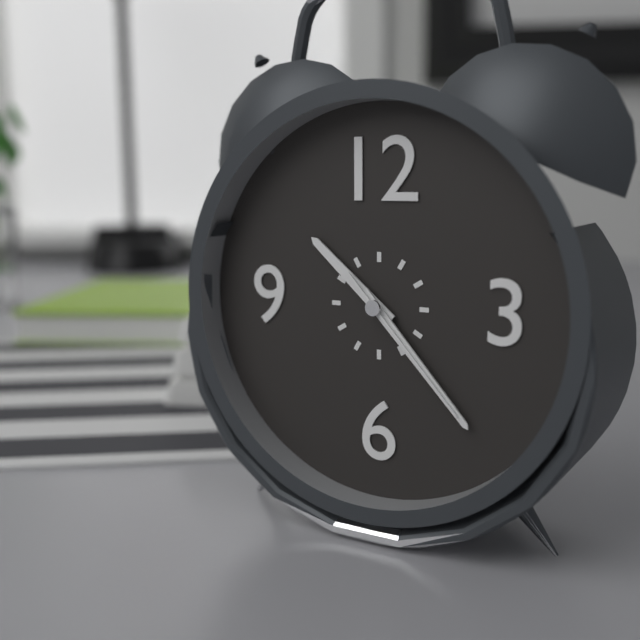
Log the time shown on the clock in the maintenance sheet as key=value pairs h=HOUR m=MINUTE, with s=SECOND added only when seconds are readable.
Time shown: h=10 m=23 s=23
